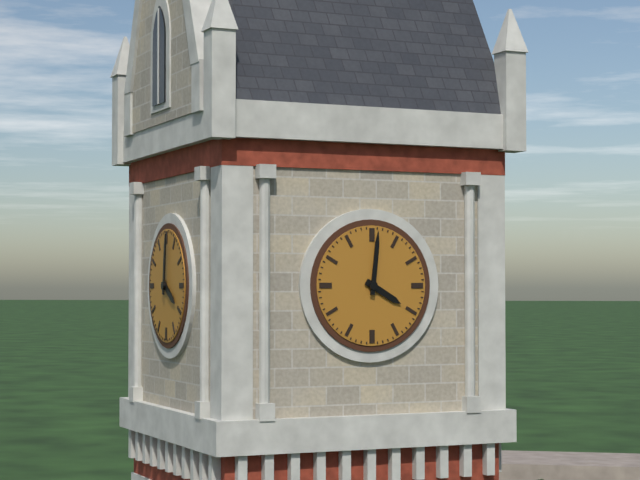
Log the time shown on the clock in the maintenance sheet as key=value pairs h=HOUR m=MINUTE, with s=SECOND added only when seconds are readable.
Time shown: h=4 m=1
